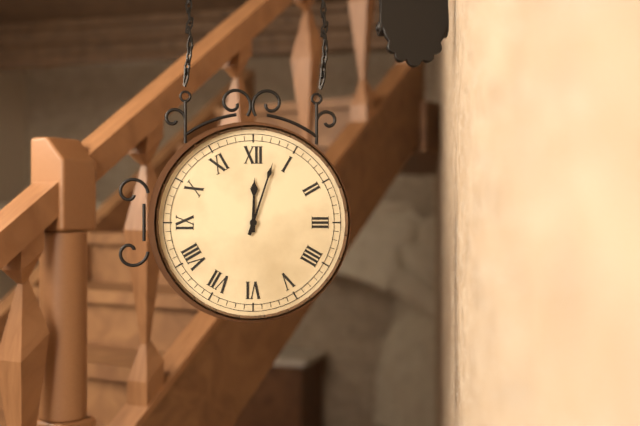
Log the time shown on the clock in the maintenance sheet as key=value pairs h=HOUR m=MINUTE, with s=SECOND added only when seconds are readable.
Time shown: h=12 m=3
